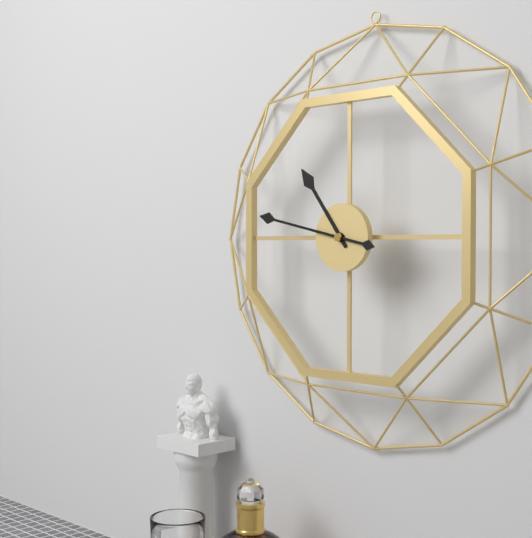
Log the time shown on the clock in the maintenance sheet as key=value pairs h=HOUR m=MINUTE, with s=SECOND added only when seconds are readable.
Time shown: h=10 m=47
